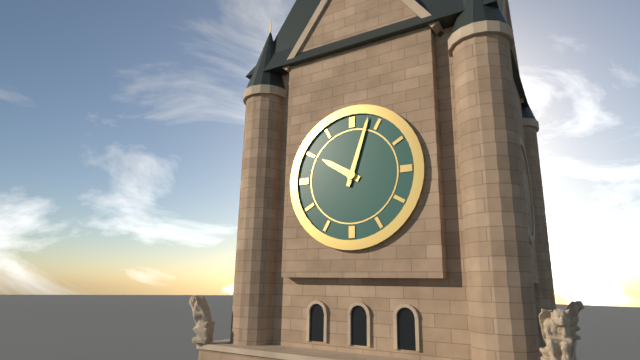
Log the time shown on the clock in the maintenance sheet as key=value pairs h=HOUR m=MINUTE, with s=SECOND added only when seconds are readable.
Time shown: h=10 m=3
